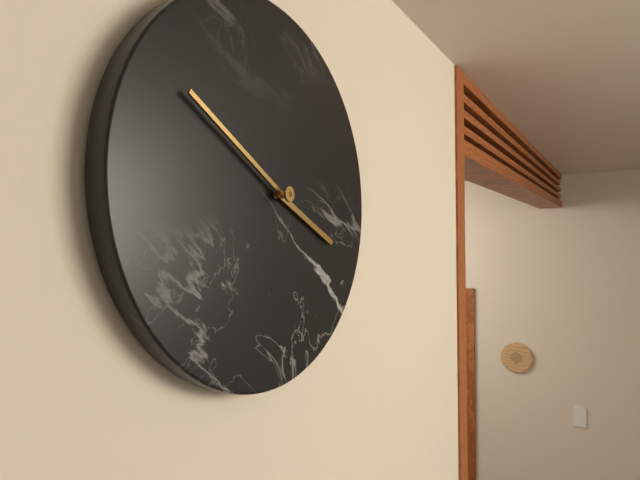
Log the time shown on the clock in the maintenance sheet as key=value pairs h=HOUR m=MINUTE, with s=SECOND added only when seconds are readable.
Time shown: h=3 m=50
